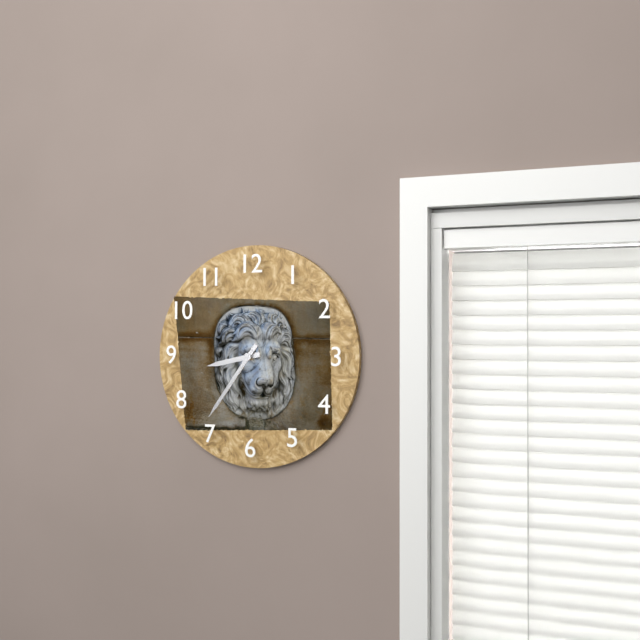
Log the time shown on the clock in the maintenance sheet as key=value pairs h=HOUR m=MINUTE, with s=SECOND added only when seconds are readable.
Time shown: h=8 m=36
